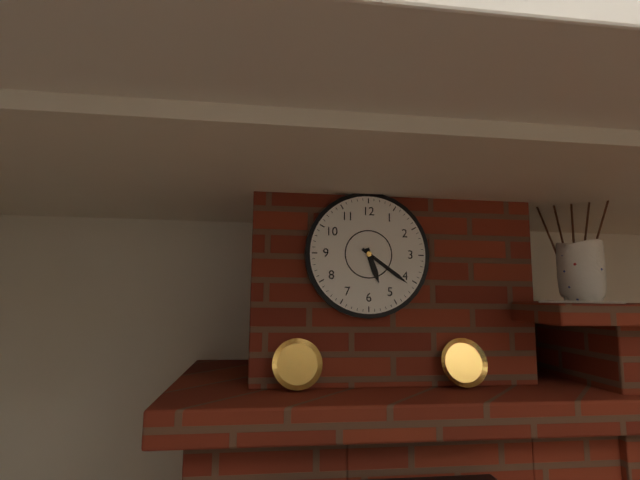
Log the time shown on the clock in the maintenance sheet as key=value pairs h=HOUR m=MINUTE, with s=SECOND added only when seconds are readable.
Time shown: h=5 m=21
